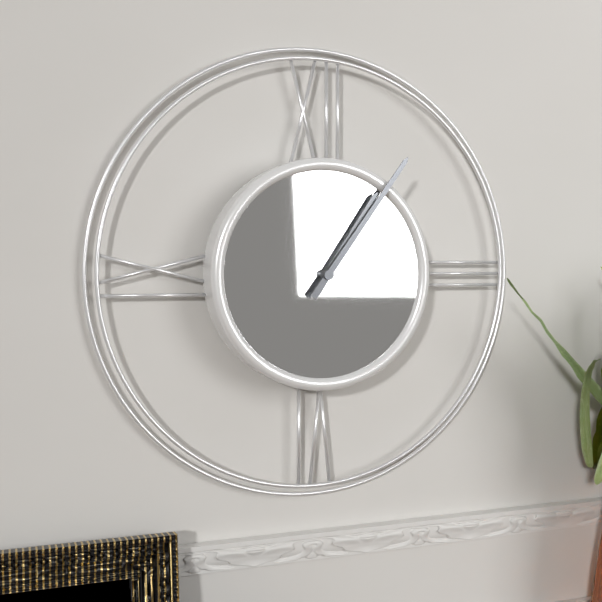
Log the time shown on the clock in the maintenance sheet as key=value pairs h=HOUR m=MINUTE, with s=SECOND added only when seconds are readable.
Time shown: h=1 m=6
